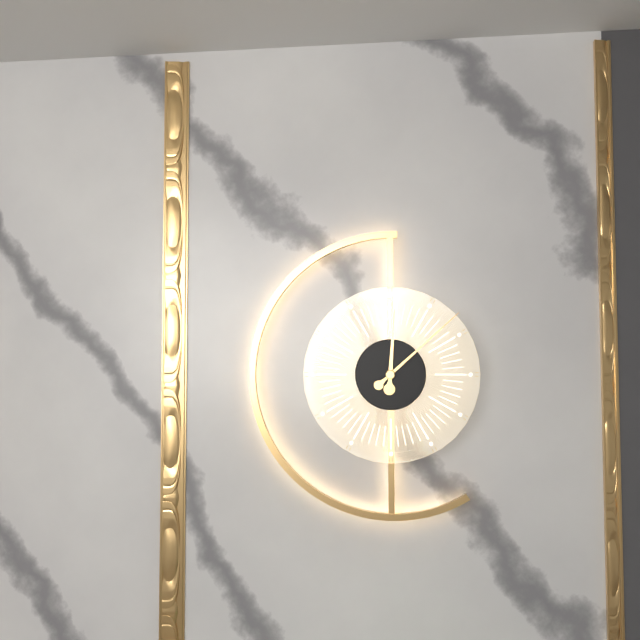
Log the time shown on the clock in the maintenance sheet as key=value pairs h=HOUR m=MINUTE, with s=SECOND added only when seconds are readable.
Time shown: h=12 m=8
